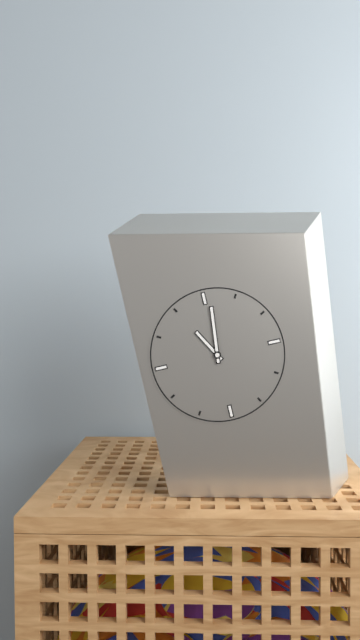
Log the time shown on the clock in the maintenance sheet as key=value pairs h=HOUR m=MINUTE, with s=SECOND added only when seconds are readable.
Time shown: h=11 m=1
